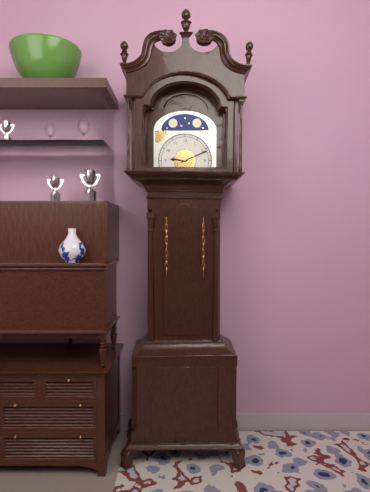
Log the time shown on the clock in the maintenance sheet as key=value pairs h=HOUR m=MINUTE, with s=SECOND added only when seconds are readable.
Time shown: h=9 m=11
